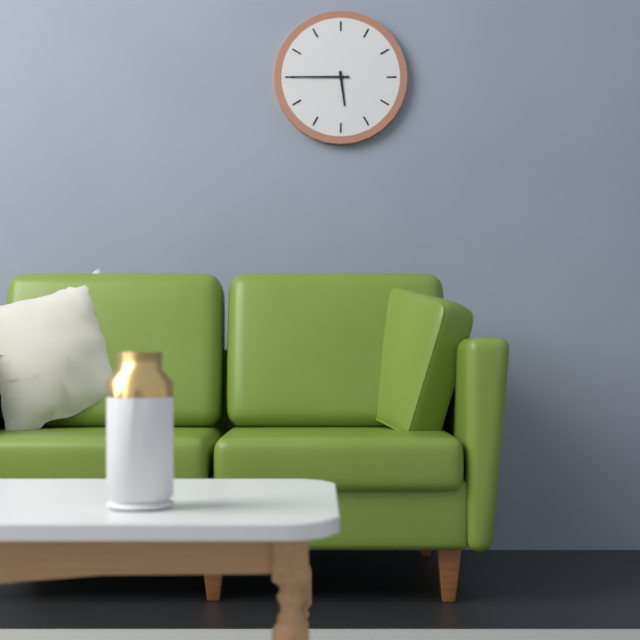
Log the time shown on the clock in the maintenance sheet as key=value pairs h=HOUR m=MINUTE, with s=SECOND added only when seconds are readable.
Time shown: h=5 m=45
